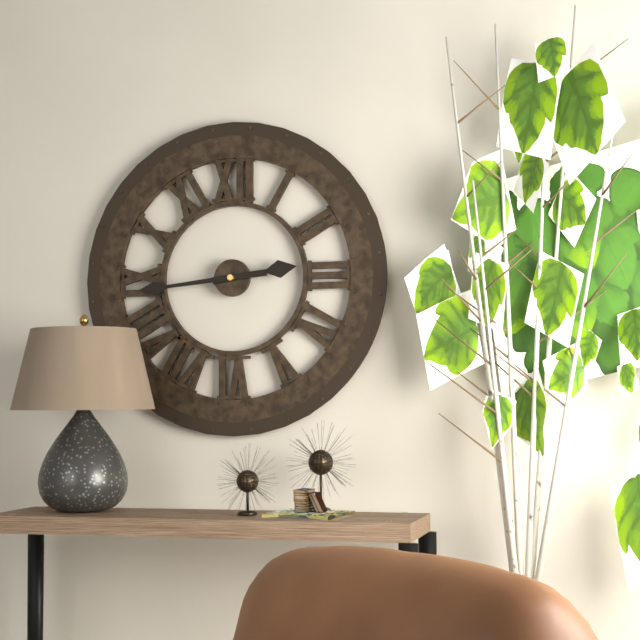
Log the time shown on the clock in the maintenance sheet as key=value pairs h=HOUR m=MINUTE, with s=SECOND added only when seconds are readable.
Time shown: h=2 m=44
